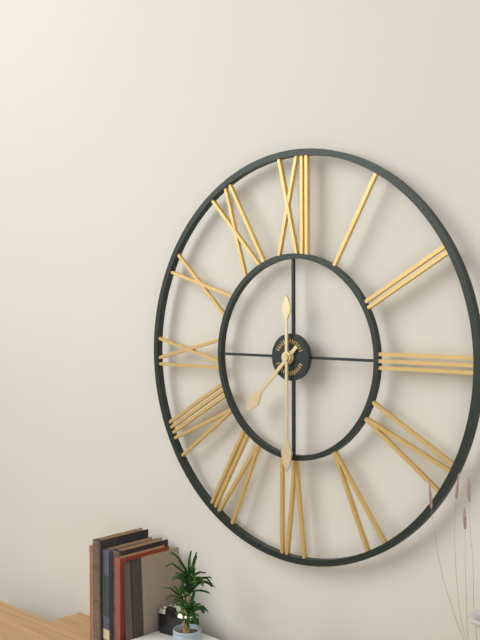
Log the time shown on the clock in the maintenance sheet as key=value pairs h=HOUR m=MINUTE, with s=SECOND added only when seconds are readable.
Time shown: h=7 m=30
